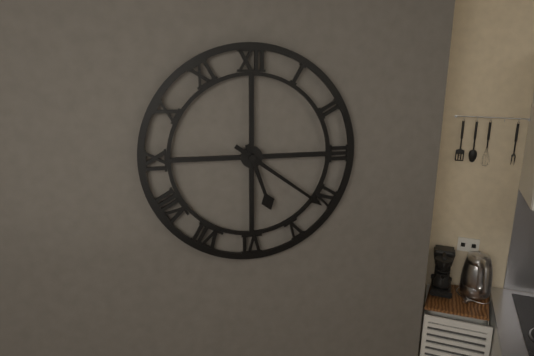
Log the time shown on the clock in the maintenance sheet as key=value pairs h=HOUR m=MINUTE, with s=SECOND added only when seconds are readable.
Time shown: h=5 m=21
